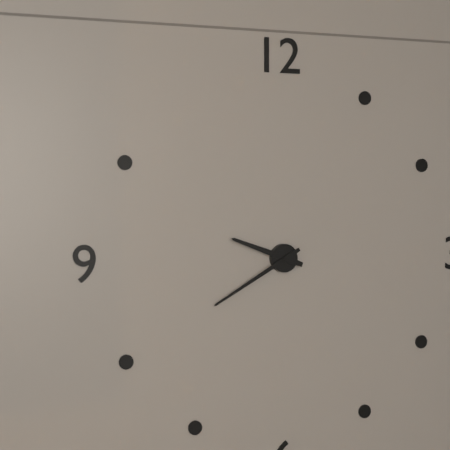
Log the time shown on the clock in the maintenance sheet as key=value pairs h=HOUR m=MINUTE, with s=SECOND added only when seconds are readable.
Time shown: h=9 m=40
